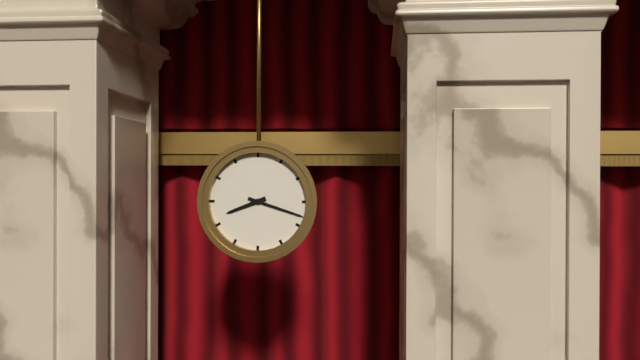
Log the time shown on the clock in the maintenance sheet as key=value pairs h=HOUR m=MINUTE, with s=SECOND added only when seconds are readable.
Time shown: h=8 m=18
